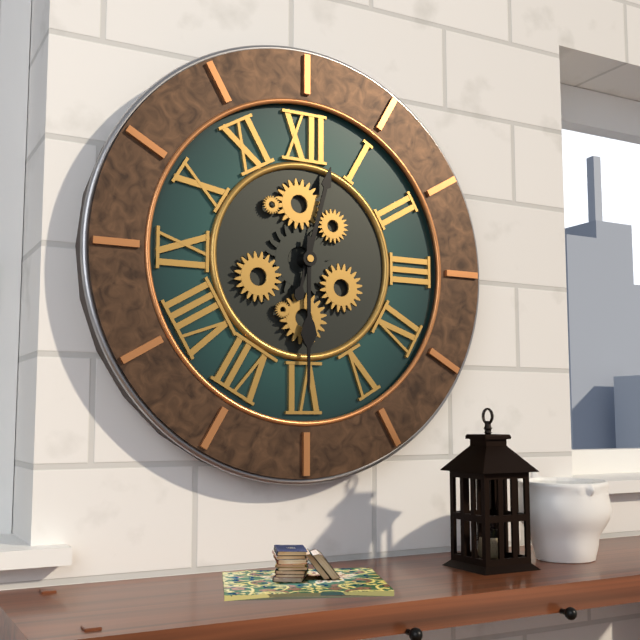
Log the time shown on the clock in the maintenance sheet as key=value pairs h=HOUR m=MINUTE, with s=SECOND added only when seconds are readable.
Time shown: h=12 m=30
